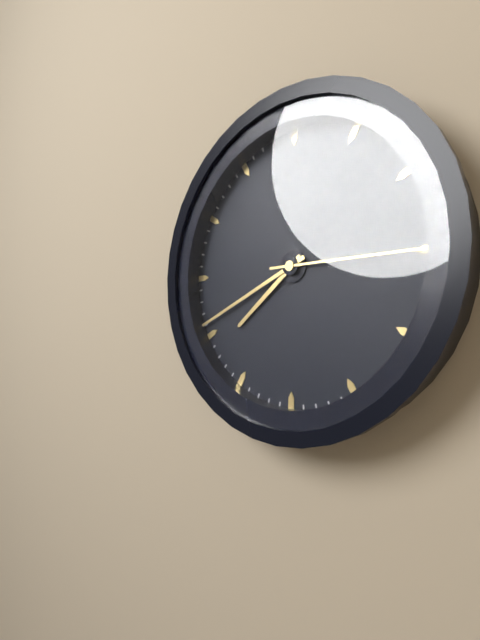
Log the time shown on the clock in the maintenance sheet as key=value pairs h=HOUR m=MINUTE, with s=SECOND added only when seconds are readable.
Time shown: h=7 m=41 s=15
